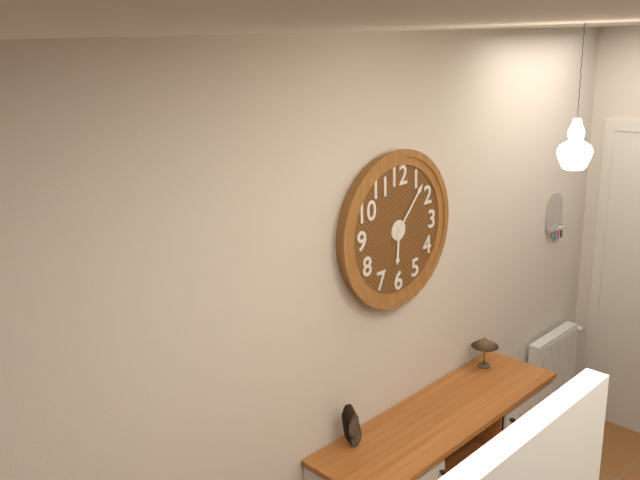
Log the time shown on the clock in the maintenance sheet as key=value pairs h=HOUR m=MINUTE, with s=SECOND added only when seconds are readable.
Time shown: h=6 m=7
